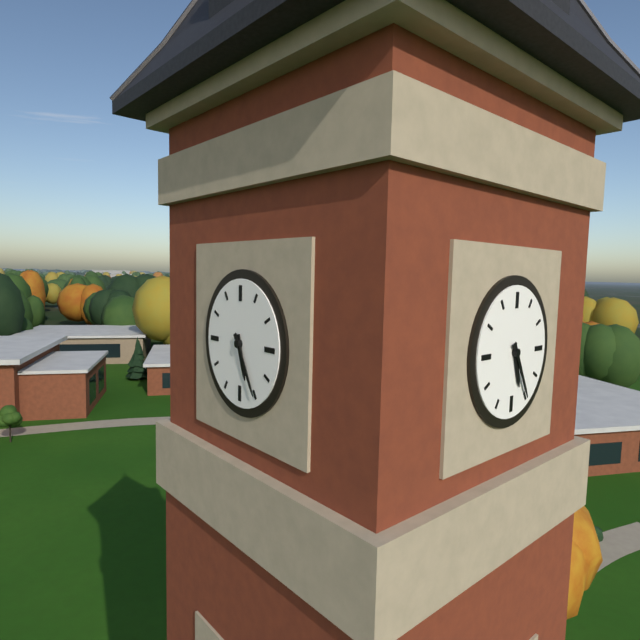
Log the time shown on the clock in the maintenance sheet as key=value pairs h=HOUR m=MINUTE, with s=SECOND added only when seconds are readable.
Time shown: h=5 m=25
